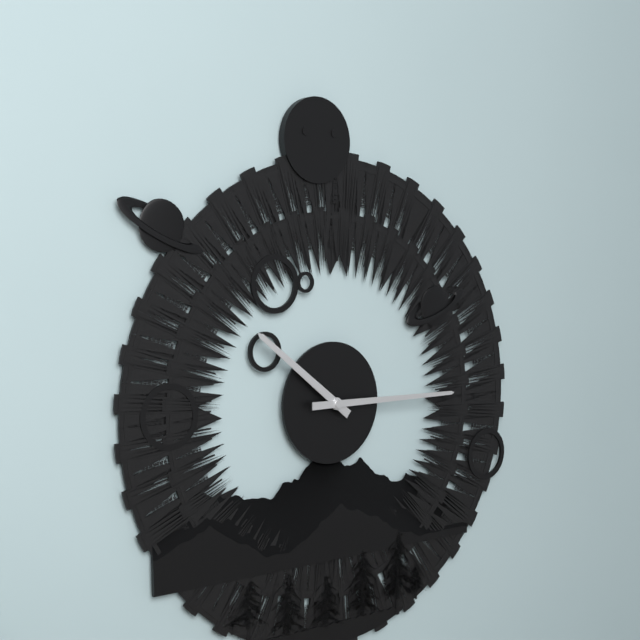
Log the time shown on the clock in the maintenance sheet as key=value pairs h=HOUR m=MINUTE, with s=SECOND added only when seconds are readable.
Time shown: h=10 m=15
